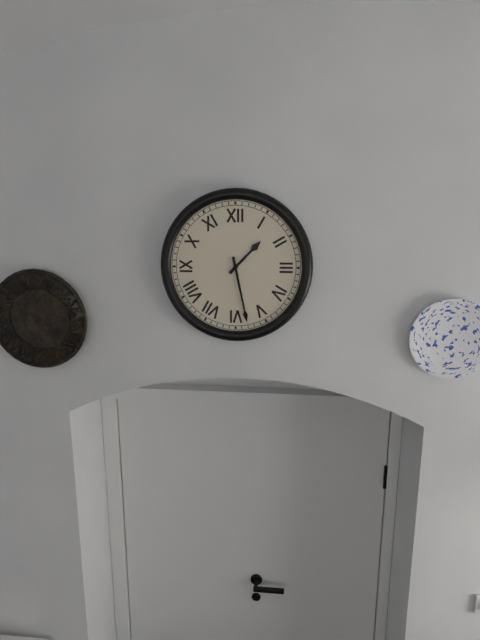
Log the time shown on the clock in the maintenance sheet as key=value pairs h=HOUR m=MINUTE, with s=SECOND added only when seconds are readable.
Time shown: h=1 m=28
